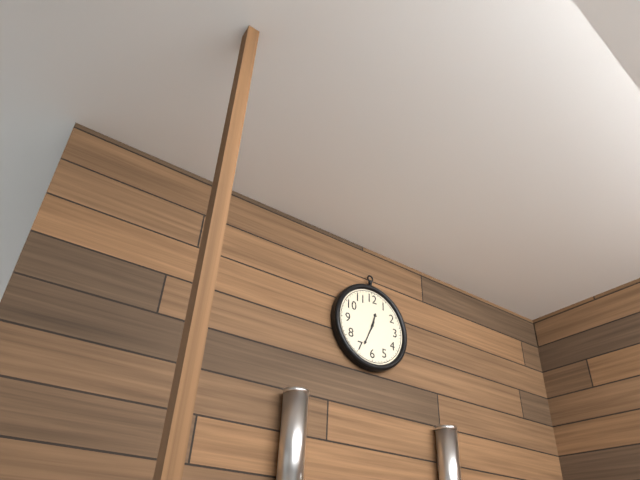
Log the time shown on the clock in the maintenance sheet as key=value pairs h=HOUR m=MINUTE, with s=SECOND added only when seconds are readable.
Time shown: h=12 m=34
